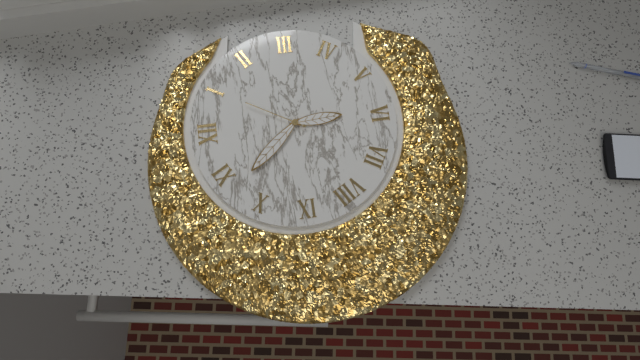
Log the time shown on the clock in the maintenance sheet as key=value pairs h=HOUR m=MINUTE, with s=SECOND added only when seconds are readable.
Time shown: h=5 m=53 s=5
